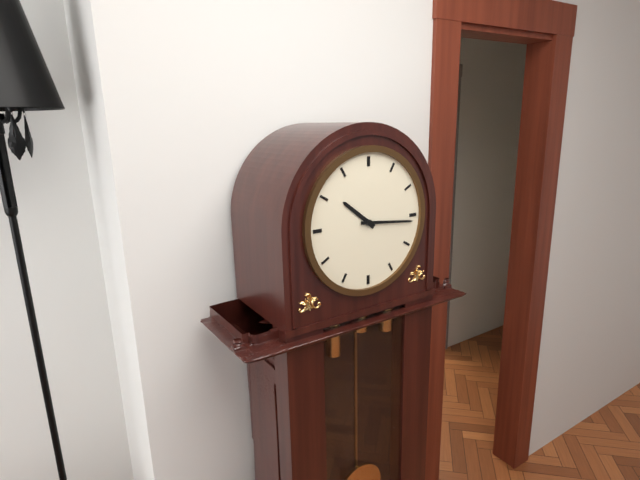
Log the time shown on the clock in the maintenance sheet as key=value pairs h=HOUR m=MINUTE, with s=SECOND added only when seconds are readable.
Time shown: h=10 m=16
